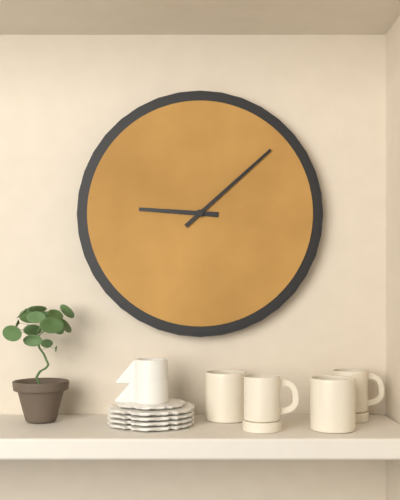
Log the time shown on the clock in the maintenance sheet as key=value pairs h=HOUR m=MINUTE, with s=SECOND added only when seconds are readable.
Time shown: h=9 m=8
